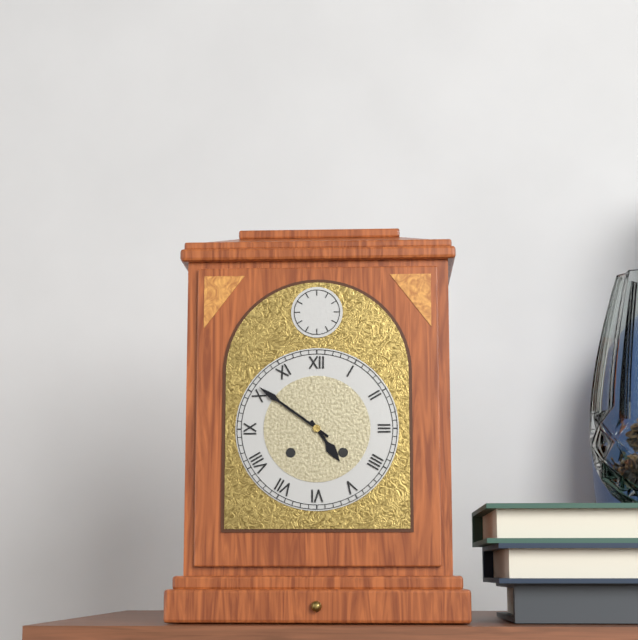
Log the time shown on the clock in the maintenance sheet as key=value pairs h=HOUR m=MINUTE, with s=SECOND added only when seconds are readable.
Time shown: h=4 m=51
